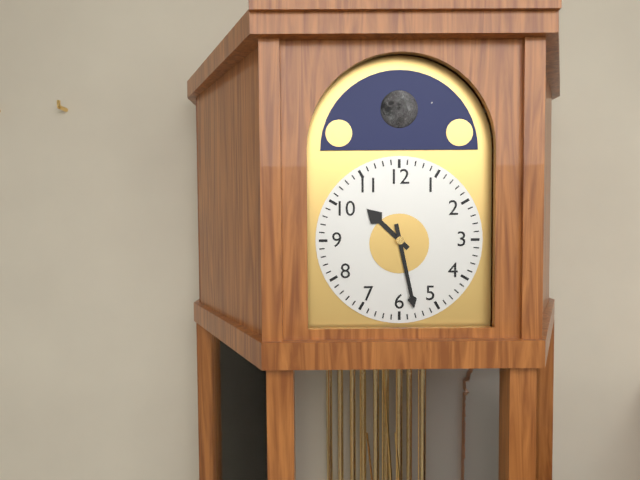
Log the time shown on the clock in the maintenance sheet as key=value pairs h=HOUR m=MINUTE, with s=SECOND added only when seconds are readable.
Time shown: h=10 m=28
